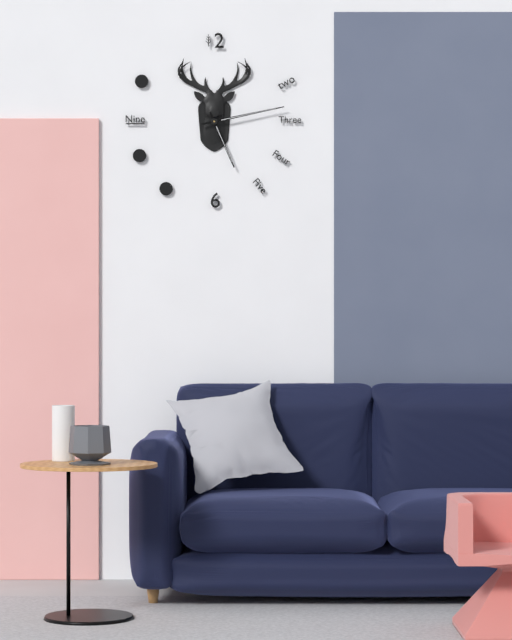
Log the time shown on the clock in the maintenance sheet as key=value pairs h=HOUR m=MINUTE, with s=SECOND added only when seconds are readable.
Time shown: h=5 m=13
